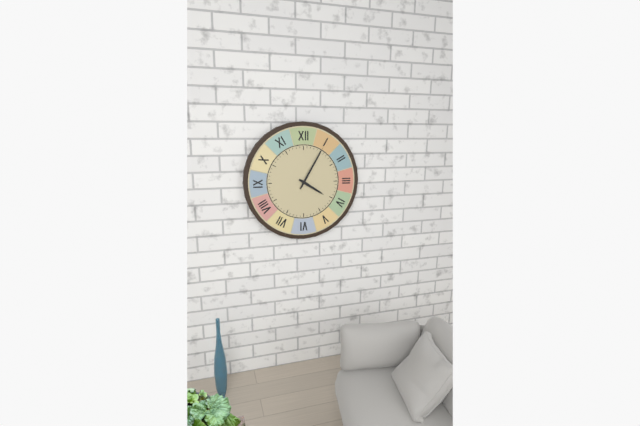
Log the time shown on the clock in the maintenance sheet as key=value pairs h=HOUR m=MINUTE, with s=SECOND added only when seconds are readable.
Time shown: h=4 m=5
